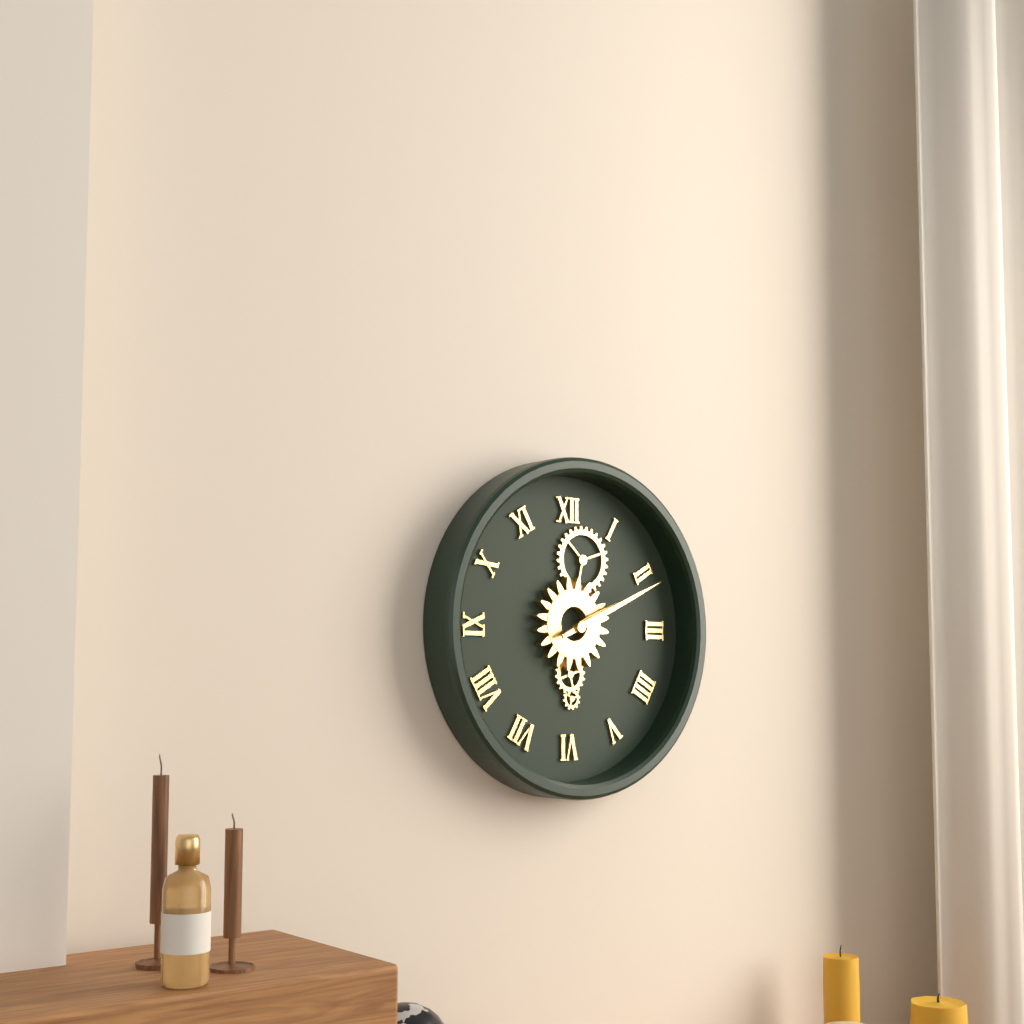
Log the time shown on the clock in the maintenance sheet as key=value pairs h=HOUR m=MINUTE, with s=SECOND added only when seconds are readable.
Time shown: h=2 m=11
